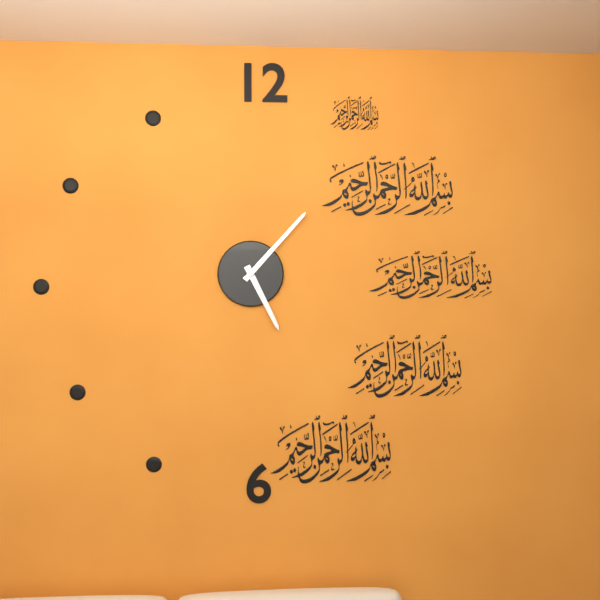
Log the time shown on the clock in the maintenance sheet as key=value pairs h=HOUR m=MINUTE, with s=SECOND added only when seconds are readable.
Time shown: h=5 m=7
